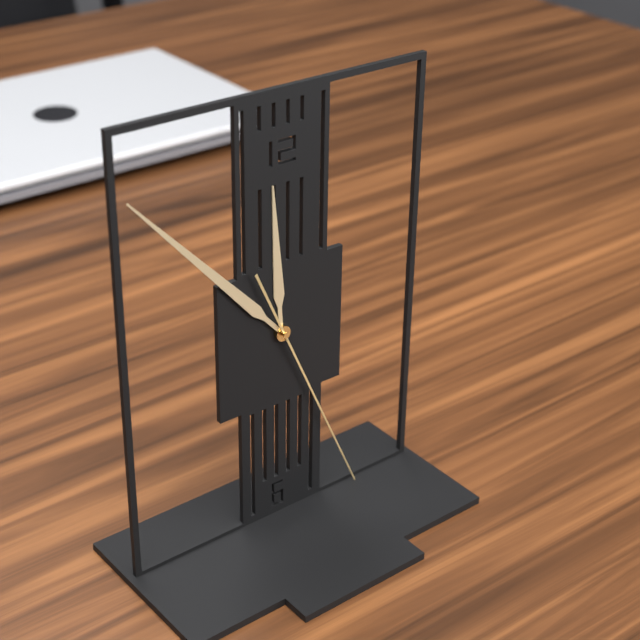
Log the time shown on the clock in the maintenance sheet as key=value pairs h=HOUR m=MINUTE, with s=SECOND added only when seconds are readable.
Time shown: h=11 m=53 s=26
